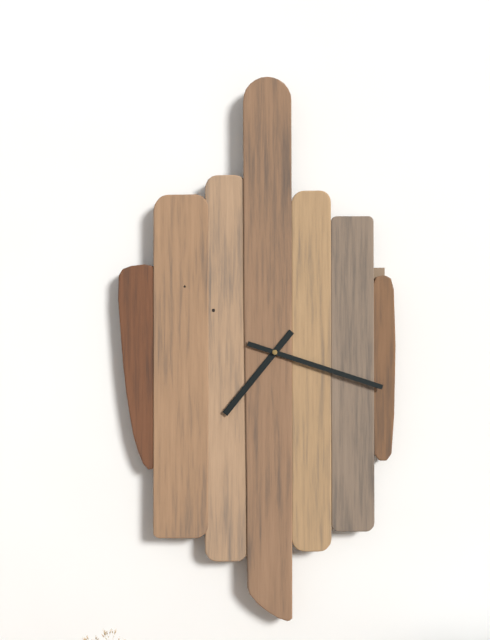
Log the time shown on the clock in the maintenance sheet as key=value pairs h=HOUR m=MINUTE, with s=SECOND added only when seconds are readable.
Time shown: h=7 m=18
